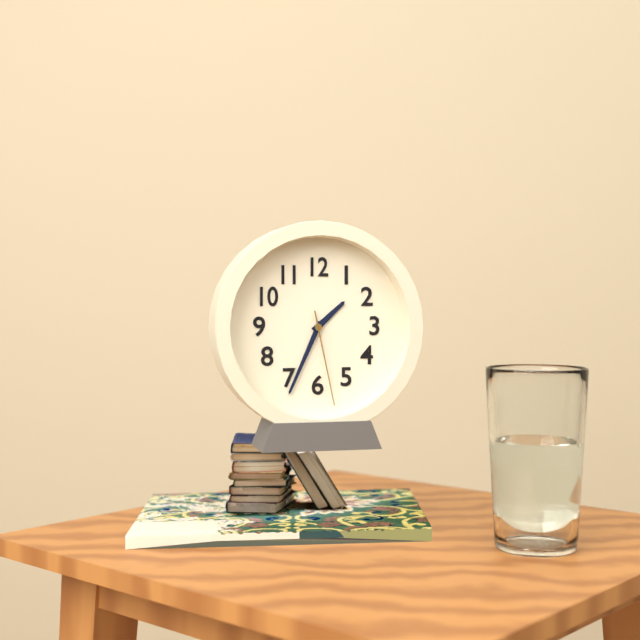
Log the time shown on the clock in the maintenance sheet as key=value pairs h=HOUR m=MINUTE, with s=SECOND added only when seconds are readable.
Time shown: h=1 m=34 s=28
